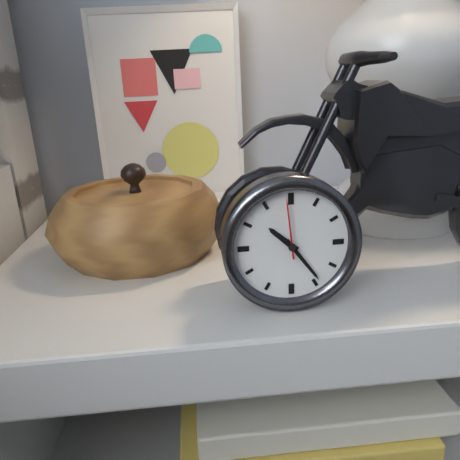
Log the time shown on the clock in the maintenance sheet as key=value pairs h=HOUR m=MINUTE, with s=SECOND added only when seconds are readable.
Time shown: h=10 m=24 s=59
